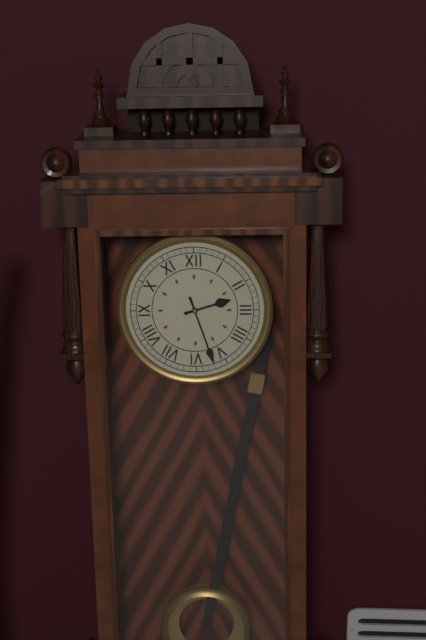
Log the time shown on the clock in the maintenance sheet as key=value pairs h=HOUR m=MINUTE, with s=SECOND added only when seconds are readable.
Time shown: h=2 m=27
